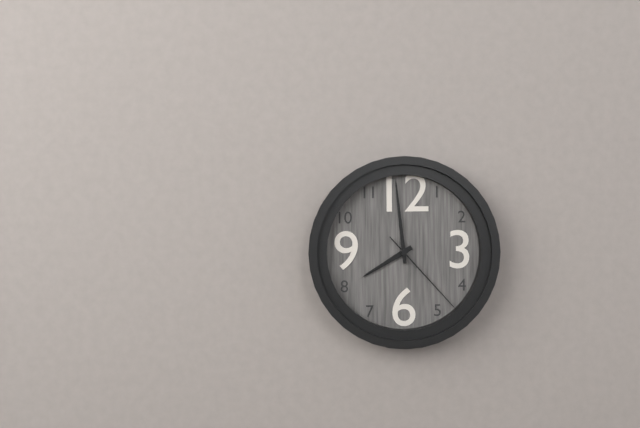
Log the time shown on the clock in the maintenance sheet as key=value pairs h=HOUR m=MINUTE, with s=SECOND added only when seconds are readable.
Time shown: h=7 m=59 s=23
